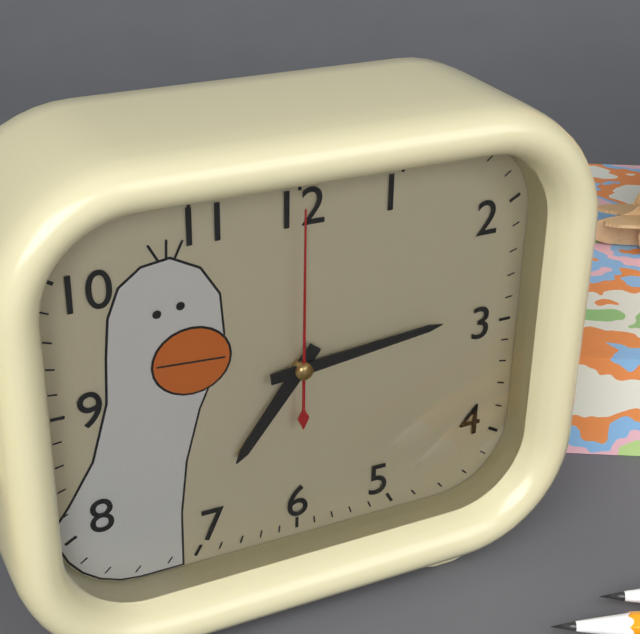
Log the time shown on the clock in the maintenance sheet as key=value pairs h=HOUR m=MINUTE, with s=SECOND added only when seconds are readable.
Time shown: h=7 m=14 s=0
